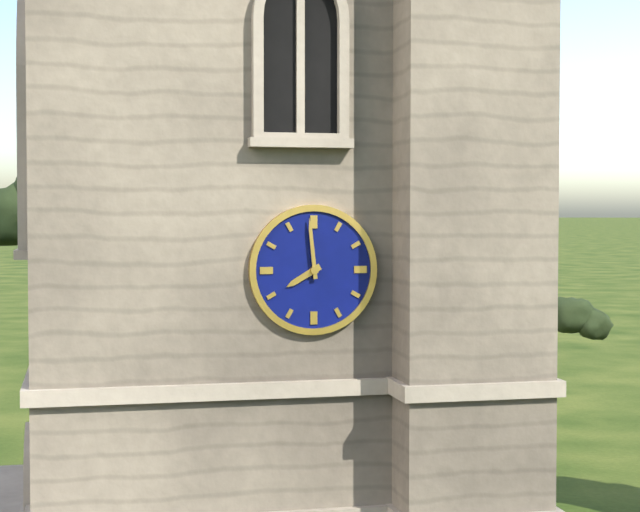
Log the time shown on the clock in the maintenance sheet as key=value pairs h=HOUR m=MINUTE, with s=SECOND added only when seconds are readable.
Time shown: h=7 m=59
